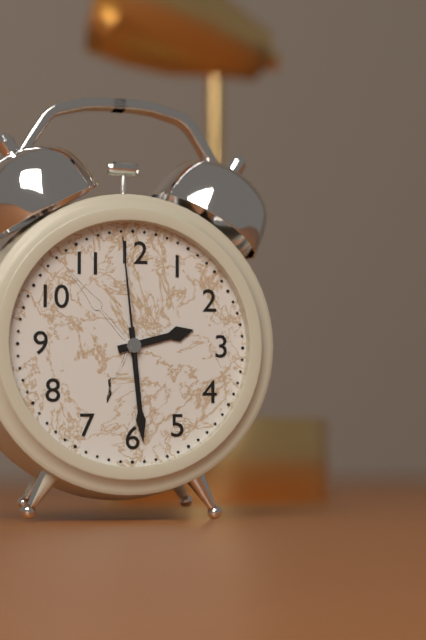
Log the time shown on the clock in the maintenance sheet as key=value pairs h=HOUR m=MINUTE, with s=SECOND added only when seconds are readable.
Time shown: h=2 m=29 s=59
